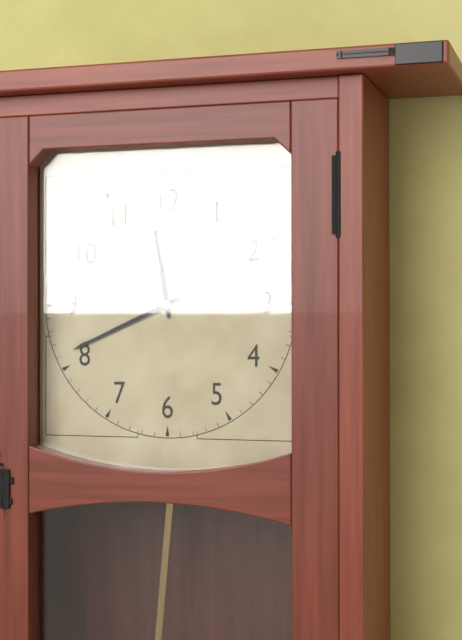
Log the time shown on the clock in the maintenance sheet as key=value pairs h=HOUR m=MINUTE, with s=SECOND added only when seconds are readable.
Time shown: h=11 m=41
